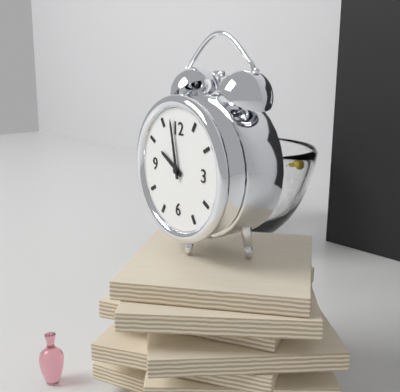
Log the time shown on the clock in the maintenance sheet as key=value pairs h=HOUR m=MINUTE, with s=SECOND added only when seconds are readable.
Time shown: h=9 m=58
